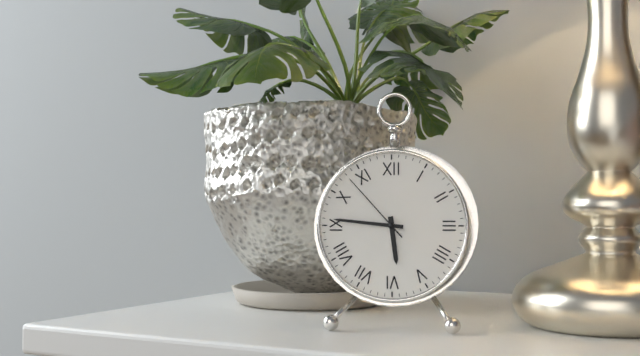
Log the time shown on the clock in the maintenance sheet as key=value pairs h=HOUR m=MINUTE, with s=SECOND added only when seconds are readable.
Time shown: h=5 m=46 s=53
